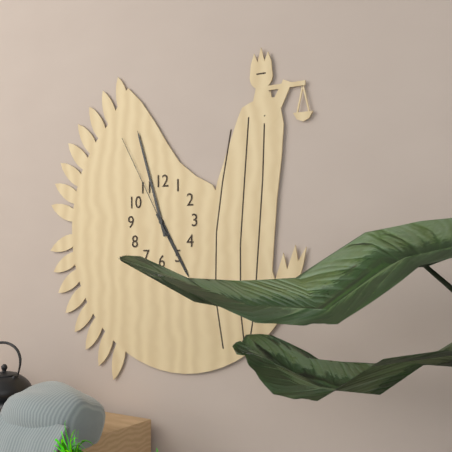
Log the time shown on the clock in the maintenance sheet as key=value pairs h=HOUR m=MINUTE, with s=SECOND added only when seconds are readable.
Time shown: h=4 m=57 s=55
